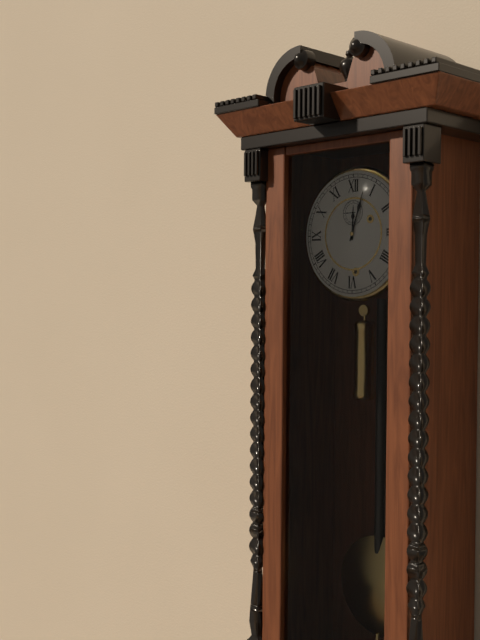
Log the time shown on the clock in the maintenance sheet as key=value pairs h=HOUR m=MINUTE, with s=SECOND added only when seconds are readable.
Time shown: h=12 m=3
